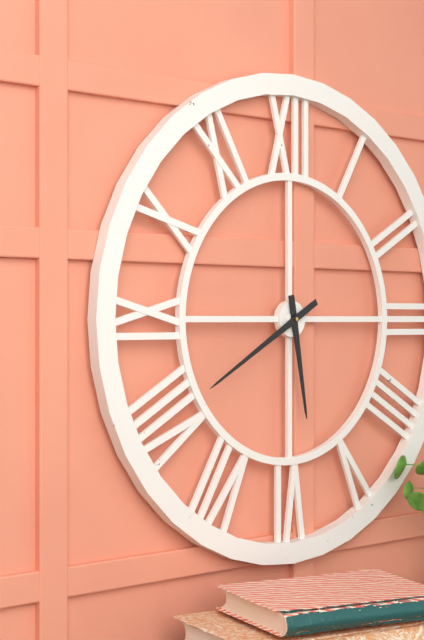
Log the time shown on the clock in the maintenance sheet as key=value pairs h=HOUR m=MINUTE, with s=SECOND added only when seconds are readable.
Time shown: h=5 m=40
